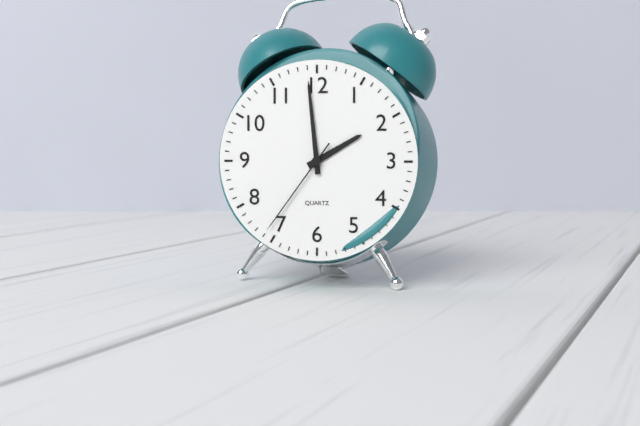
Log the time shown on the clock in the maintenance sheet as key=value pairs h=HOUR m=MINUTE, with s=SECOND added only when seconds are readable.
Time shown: h=1 m=59 s=36
